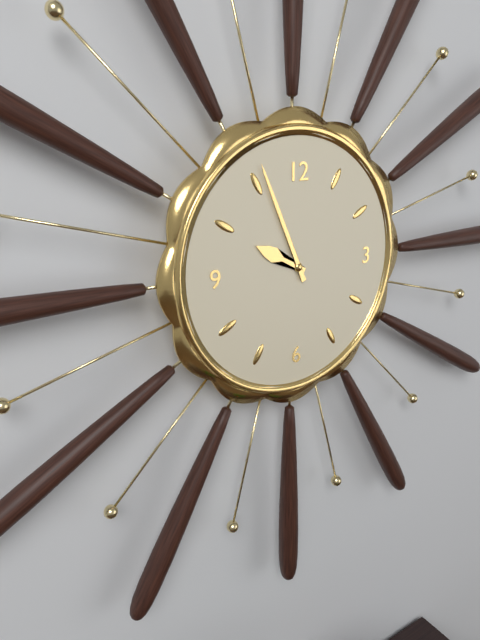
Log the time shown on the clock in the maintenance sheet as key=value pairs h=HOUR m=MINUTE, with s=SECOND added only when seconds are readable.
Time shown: h=9 m=56
